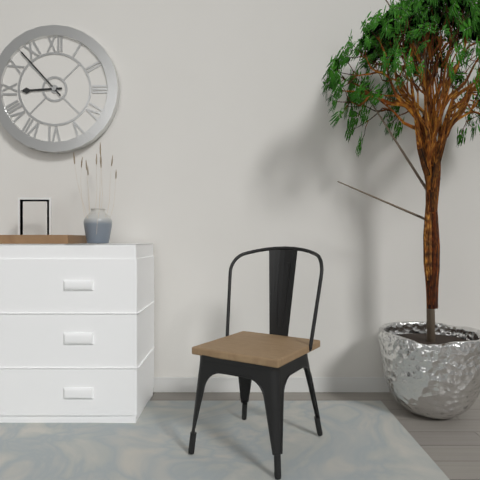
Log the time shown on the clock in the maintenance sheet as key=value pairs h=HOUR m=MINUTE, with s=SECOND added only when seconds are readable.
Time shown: h=8 m=53
